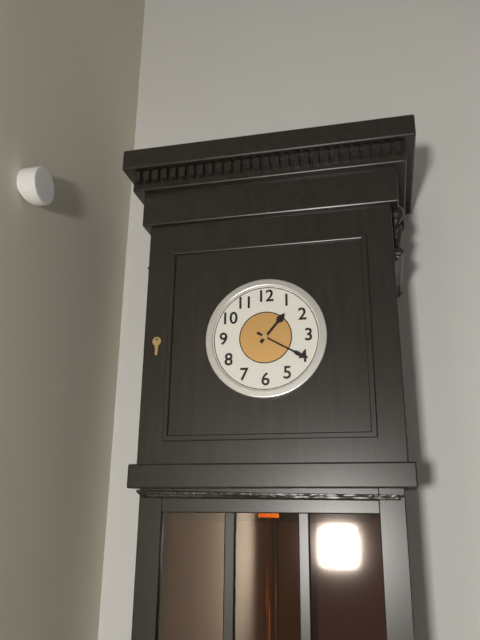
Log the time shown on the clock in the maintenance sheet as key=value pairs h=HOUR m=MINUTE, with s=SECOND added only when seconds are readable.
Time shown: h=1 m=20
